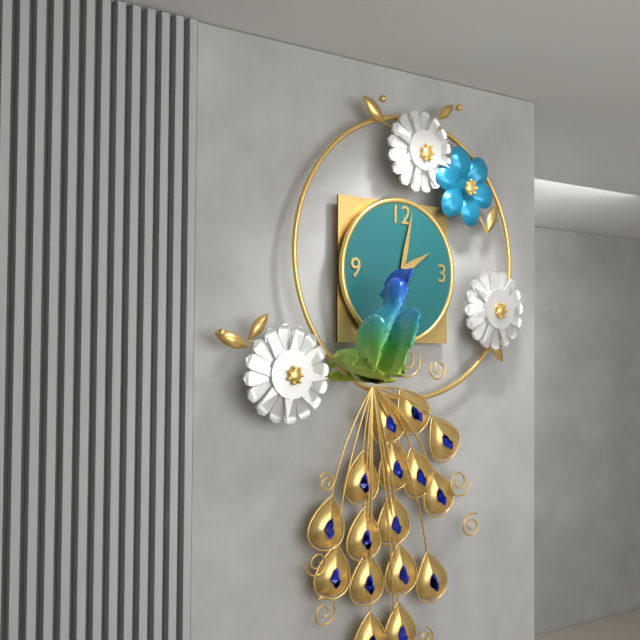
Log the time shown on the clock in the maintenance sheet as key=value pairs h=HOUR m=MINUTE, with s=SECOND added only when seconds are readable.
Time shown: h=2 m=2
